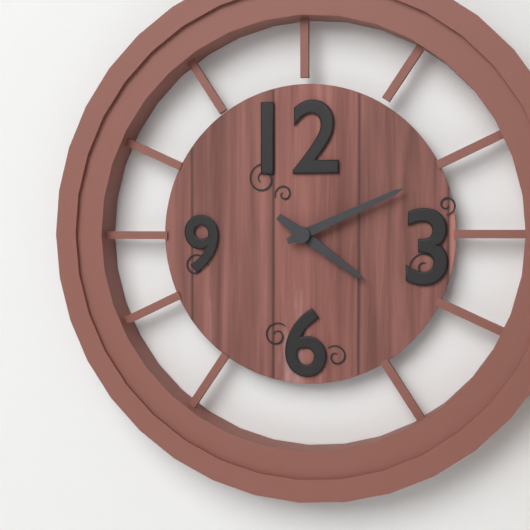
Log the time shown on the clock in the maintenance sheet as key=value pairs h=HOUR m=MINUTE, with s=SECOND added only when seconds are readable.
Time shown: h=4 m=11
